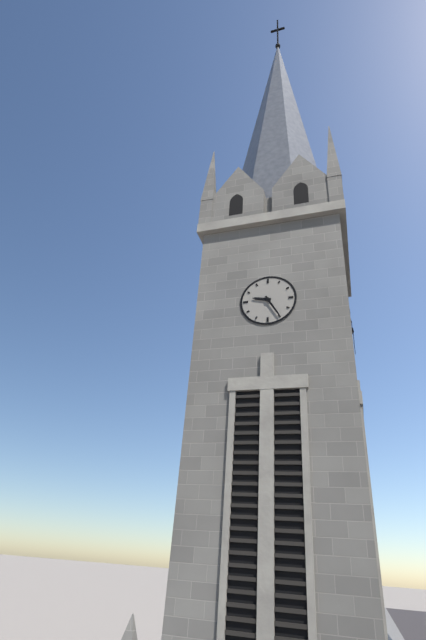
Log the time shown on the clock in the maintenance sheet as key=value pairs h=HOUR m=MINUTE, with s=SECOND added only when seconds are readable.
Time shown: h=9 m=25
